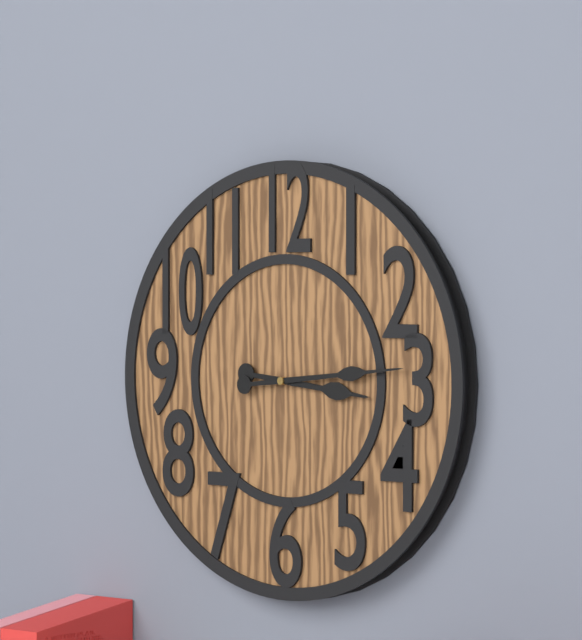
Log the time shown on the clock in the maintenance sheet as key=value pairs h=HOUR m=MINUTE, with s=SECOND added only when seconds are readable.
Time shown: h=3 m=14
